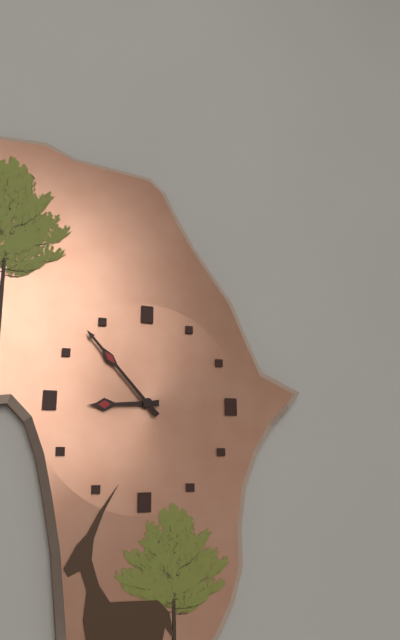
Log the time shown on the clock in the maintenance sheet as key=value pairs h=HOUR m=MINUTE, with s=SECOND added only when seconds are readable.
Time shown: h=8 m=53
